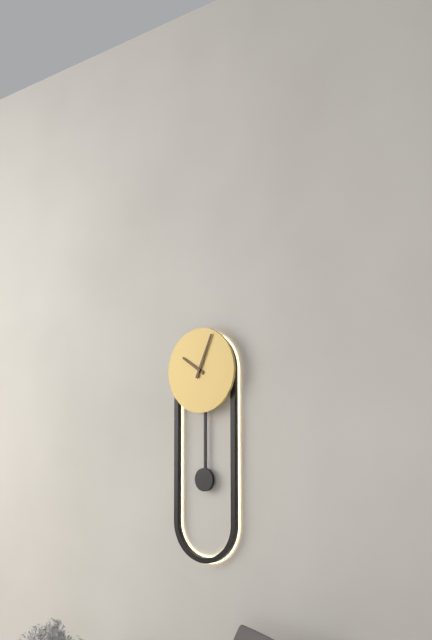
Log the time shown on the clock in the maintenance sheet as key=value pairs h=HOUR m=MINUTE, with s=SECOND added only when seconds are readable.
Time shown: h=10 m=4
